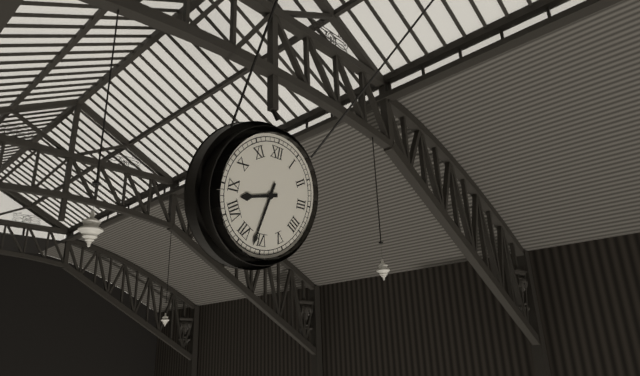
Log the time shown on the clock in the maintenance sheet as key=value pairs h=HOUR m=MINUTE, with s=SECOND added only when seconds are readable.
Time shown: h=8 m=32
